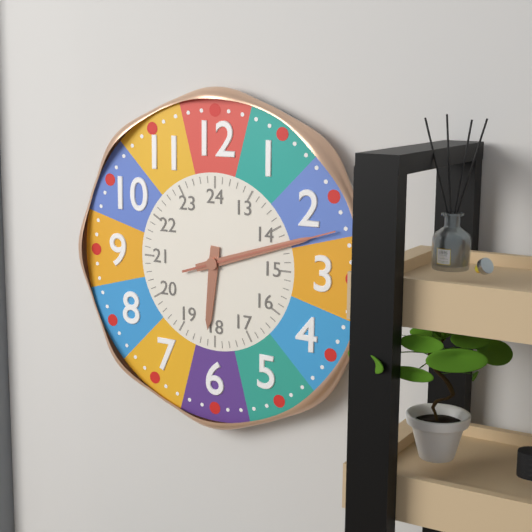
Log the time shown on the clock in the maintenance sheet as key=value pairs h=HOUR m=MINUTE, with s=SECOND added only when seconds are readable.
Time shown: h=6 m=12 s=12
